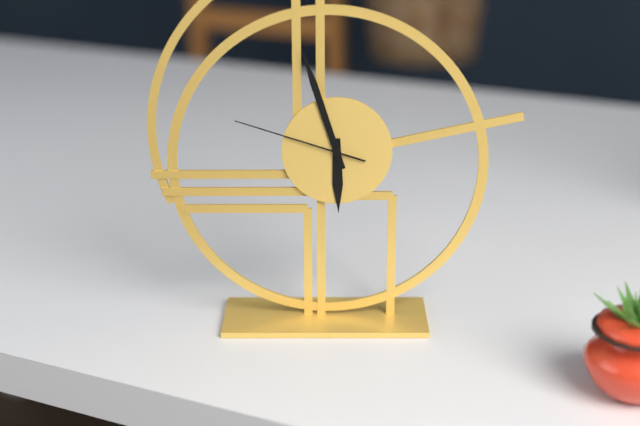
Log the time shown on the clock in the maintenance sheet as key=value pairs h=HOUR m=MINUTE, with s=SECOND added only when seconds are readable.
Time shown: h=5 m=57 s=48
